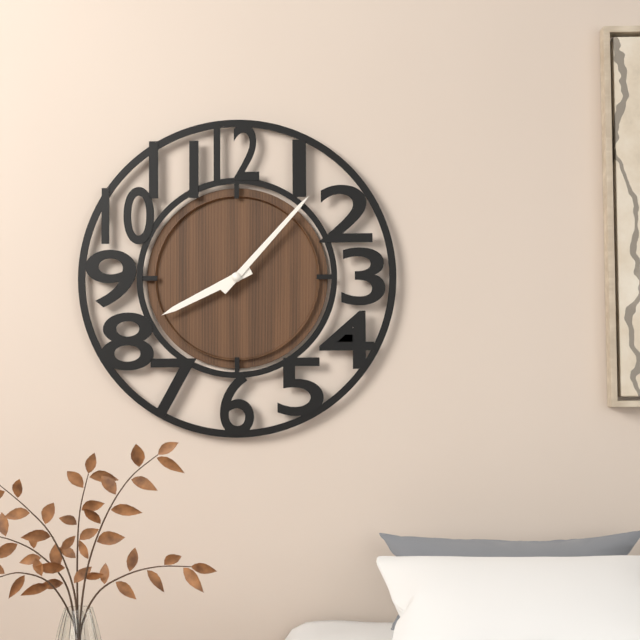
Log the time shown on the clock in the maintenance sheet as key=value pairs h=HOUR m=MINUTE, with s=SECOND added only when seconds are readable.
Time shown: h=8 m=7
